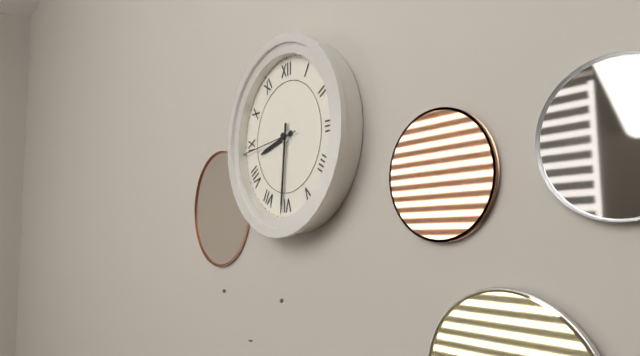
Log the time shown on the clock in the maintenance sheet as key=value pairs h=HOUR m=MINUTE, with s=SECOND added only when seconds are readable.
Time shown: h=8 m=31 s=44
